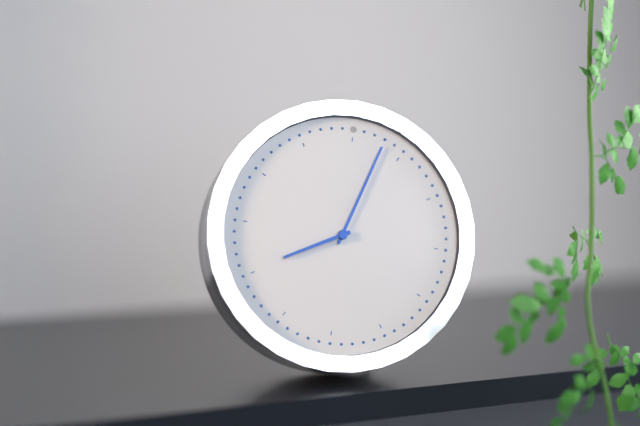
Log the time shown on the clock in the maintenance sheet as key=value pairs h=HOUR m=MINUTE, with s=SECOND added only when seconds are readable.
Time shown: h=8 m=3
